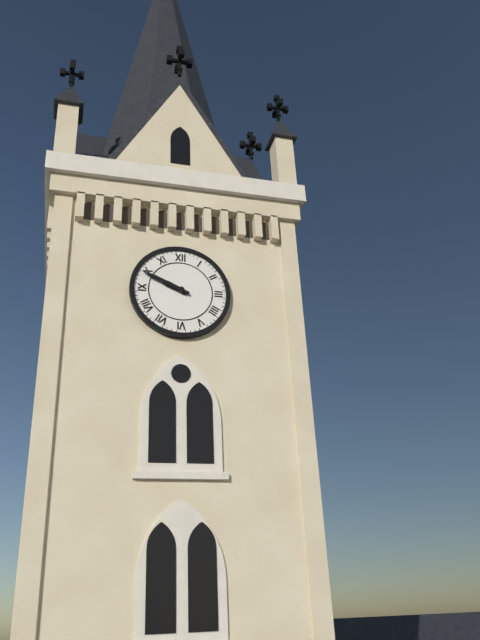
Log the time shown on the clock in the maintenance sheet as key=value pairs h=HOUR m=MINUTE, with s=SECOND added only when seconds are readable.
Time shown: h=9 m=49
